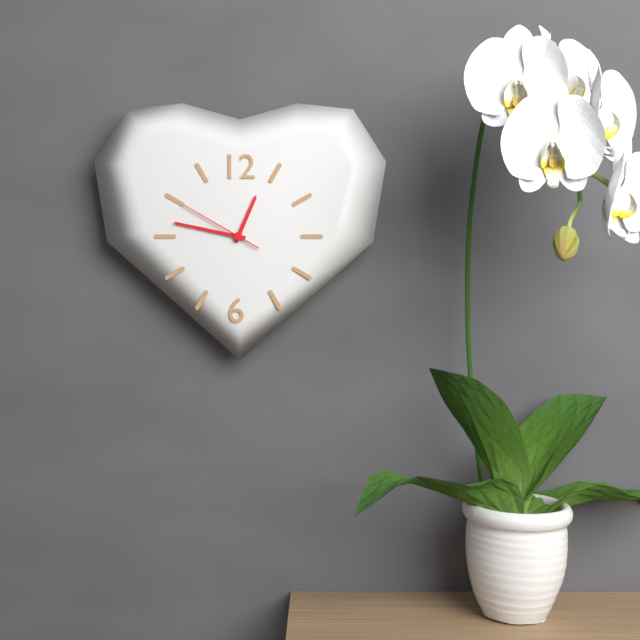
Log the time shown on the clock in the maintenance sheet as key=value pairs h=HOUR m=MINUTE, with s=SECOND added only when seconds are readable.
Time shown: h=12 m=47 s=50
